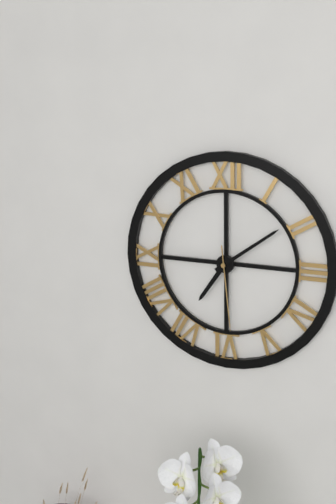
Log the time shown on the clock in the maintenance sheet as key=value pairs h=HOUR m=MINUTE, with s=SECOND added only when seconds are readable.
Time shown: h=7 m=9 s=29
